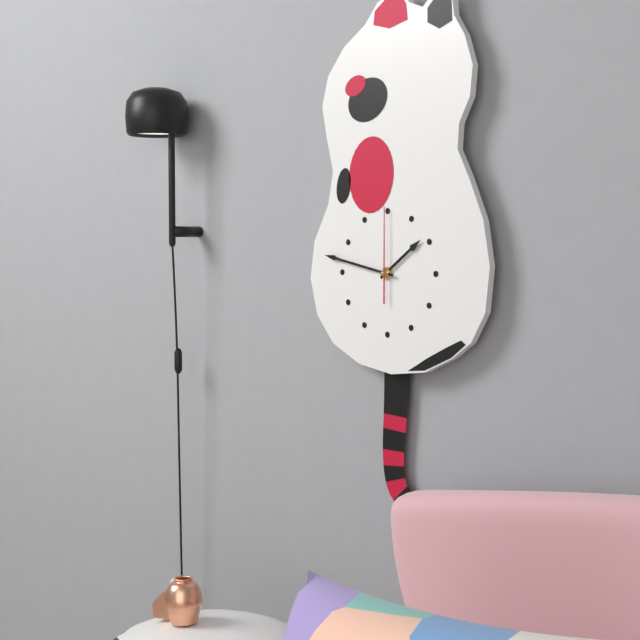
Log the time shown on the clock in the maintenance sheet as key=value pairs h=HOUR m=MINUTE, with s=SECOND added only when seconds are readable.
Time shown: h=1 m=47 s=0
